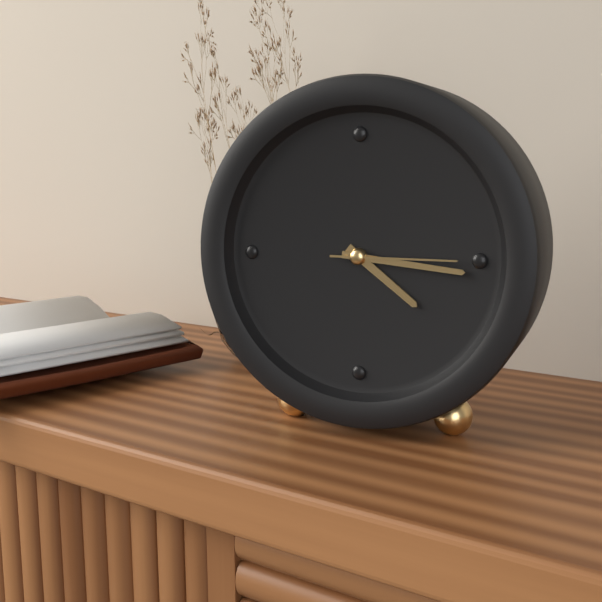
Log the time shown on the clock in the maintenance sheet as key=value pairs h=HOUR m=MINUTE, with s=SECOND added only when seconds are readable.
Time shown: h=4 m=16 s=15
